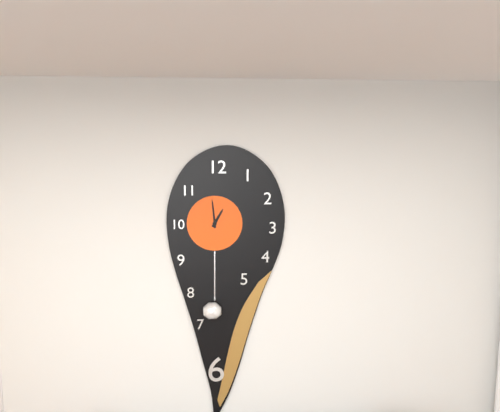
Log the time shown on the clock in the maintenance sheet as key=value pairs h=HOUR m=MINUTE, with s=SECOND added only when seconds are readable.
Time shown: h=12 m=59
